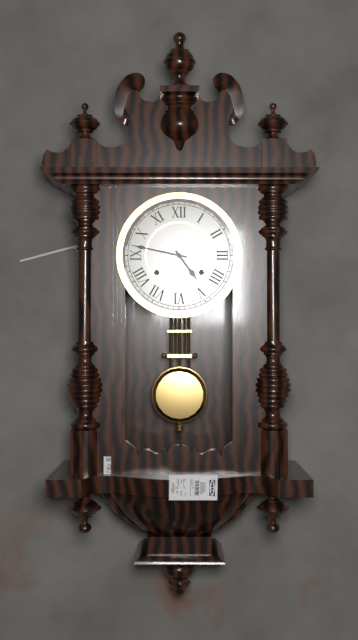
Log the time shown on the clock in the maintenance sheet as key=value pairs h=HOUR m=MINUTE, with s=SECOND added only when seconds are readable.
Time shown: h=4 m=47
